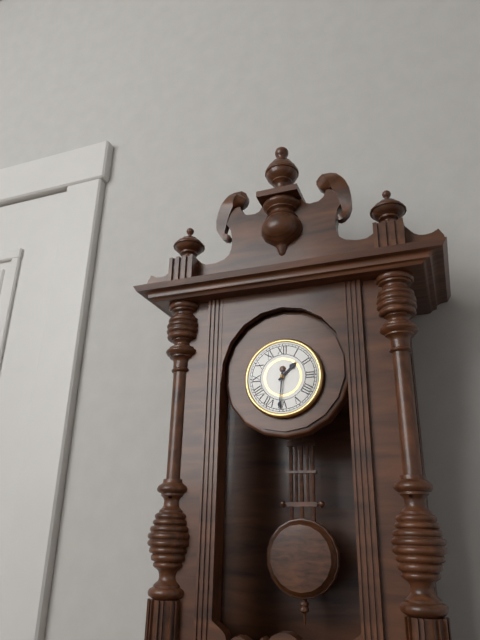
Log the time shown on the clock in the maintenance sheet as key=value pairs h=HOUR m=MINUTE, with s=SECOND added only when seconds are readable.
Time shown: h=1 m=31
